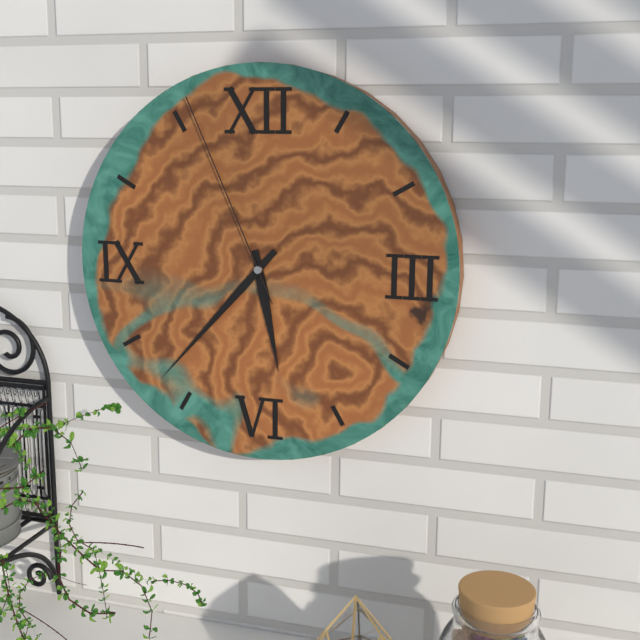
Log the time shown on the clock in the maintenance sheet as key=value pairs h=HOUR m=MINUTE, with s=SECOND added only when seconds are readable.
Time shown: h=5 m=37 s=56
